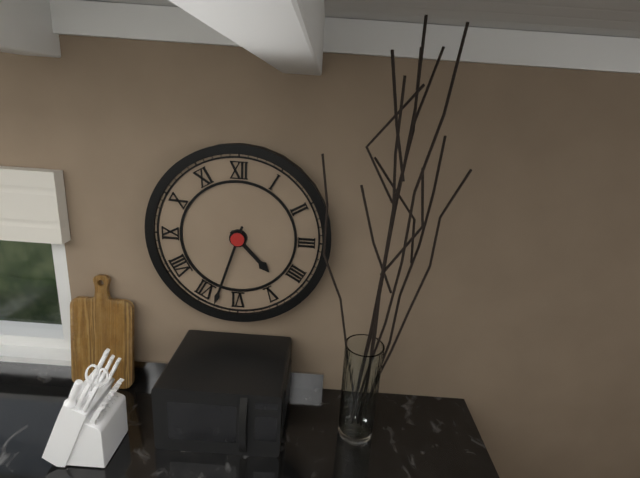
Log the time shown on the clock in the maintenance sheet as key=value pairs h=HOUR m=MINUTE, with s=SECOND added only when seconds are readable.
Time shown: h=4 m=33
